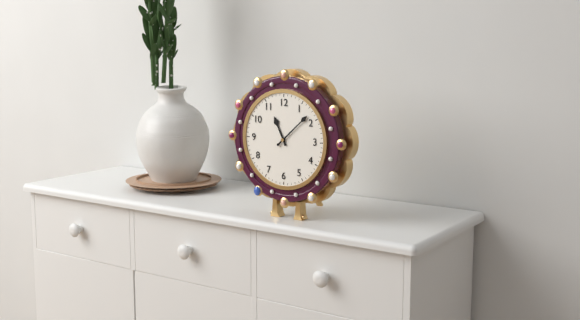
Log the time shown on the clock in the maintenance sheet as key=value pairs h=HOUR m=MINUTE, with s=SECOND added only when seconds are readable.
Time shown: h=11 m=8
